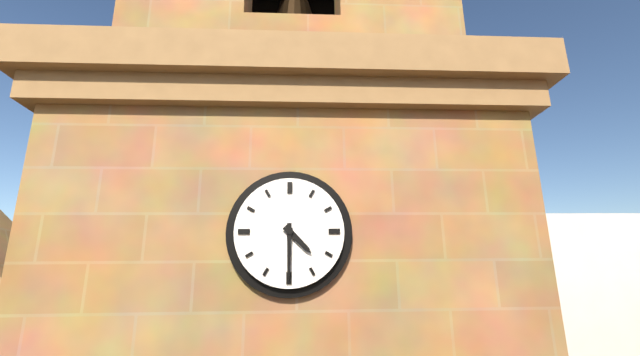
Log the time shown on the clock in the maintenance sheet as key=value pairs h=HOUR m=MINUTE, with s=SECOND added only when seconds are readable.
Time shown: h=4 m=30
